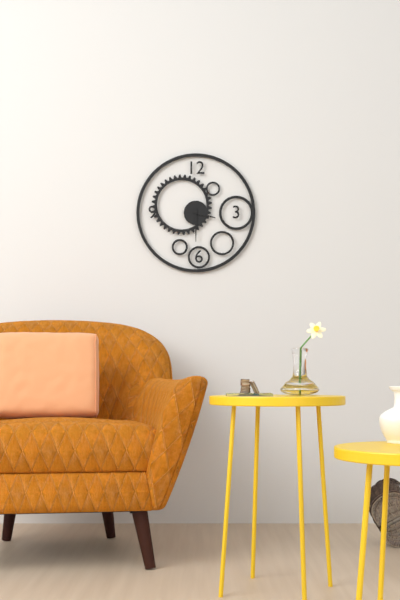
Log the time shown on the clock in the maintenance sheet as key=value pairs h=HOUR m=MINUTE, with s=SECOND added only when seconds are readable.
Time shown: h=3 m=30
